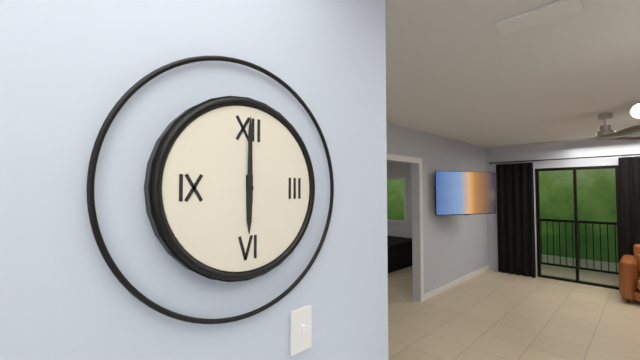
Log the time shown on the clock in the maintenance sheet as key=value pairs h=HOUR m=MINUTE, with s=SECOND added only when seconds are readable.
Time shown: h=6 m=0
